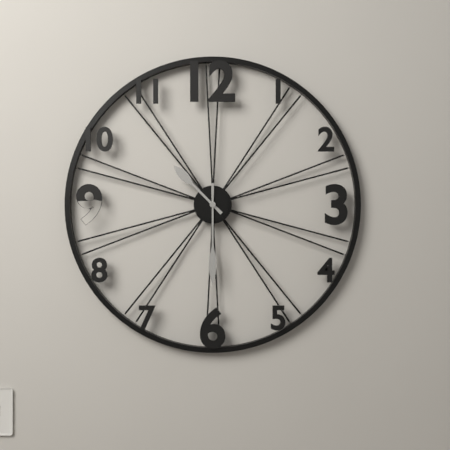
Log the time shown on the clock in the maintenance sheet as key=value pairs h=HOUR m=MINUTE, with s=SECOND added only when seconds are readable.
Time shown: h=10 m=30
